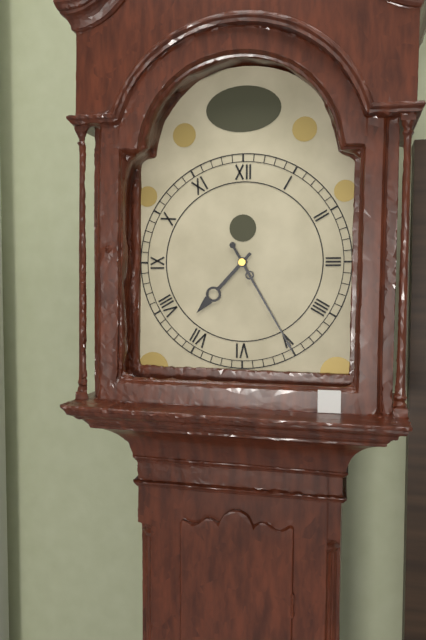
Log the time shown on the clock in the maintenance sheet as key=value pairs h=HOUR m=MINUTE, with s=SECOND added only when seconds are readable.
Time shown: h=7 m=25
